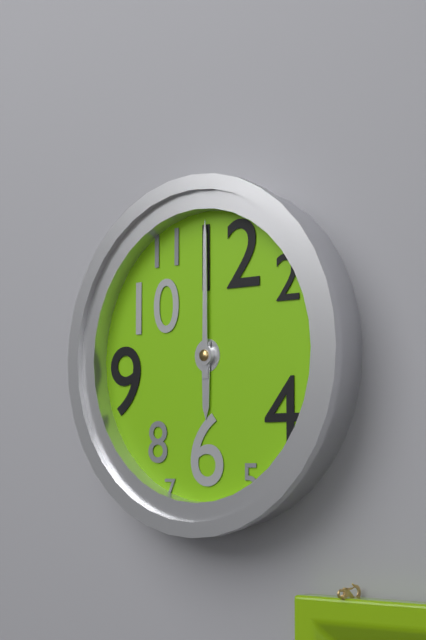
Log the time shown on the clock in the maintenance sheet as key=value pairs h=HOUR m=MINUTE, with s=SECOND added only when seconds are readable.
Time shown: h=6 m=0
